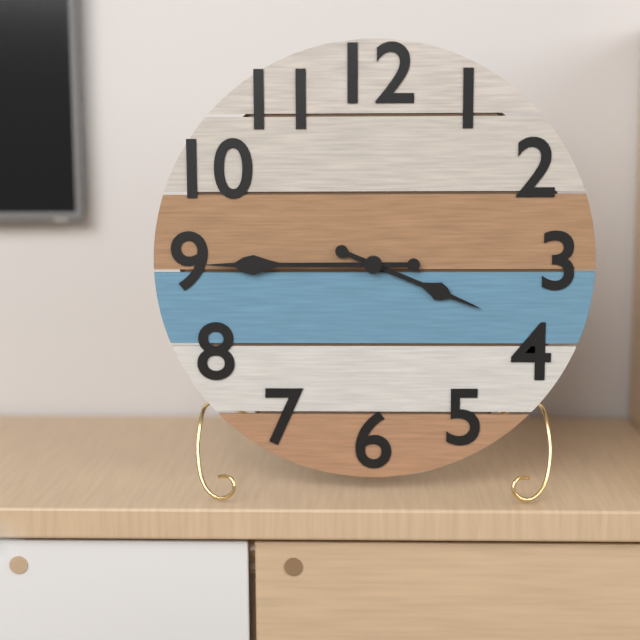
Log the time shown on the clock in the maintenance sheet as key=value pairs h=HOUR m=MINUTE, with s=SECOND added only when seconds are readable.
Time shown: h=3 m=45
